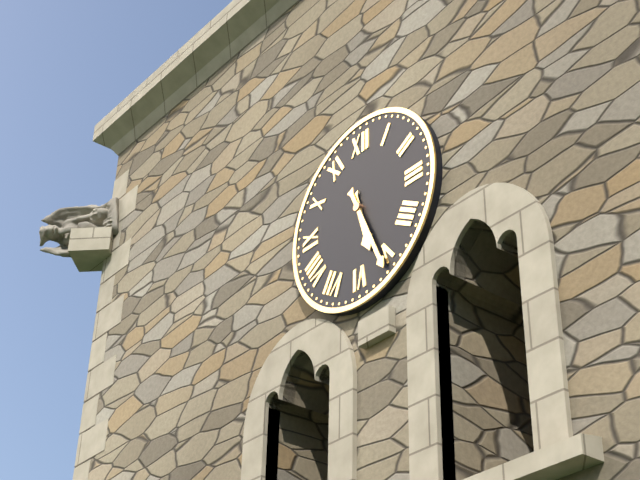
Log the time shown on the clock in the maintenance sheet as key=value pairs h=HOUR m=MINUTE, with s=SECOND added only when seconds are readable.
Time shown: h=5 m=26
